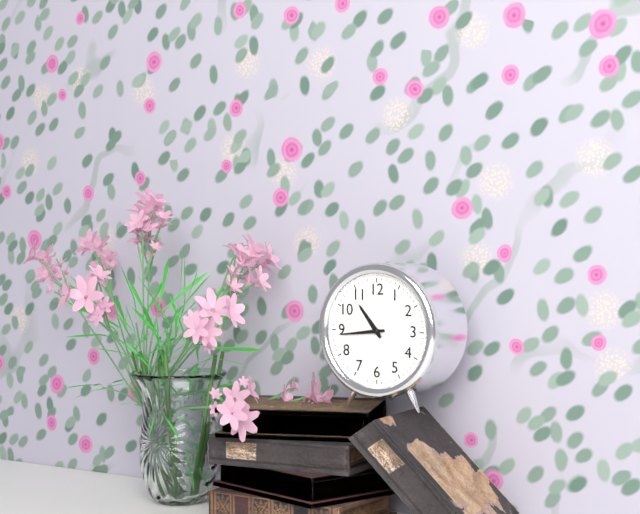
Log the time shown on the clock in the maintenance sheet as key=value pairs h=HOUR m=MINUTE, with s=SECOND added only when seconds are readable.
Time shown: h=10 m=44
